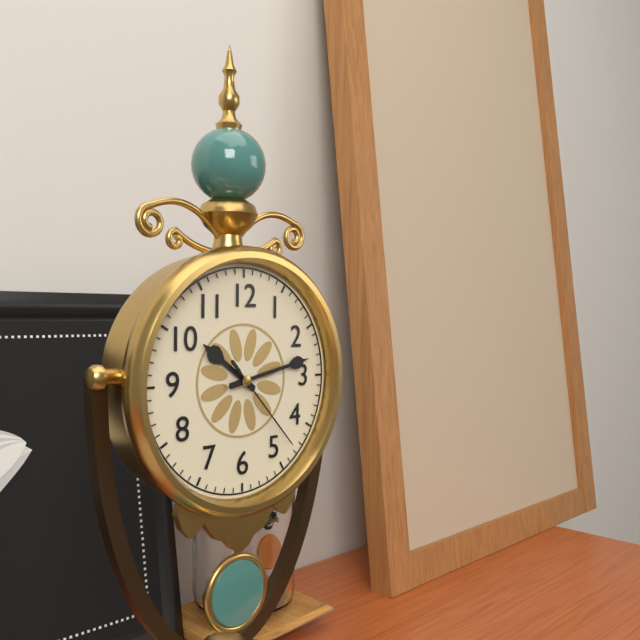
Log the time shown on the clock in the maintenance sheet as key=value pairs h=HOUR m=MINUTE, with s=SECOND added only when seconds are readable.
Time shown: h=10 m=13 s=23
